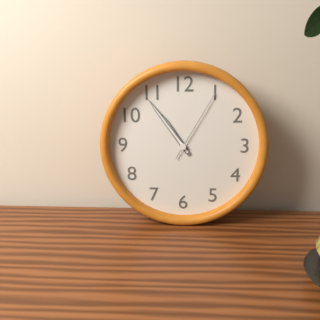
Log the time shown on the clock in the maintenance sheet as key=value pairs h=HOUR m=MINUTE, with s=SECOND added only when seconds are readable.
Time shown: h=10 m=54 s=5
